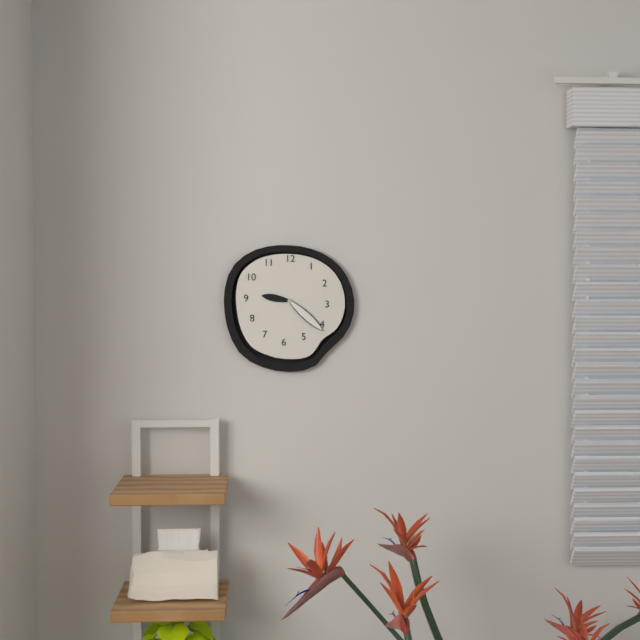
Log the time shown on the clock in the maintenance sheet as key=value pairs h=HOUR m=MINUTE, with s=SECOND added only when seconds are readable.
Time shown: h=9 m=22
